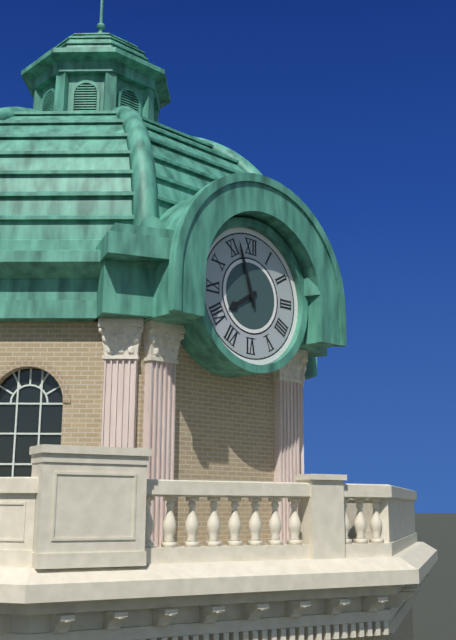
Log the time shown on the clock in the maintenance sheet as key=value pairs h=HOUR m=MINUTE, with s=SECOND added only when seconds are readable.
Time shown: h=7 m=57
